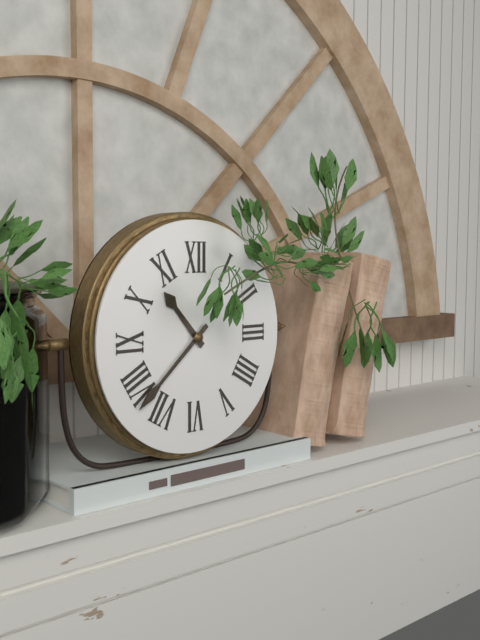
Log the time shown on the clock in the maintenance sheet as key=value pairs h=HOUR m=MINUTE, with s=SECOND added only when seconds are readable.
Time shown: h=10 m=38
